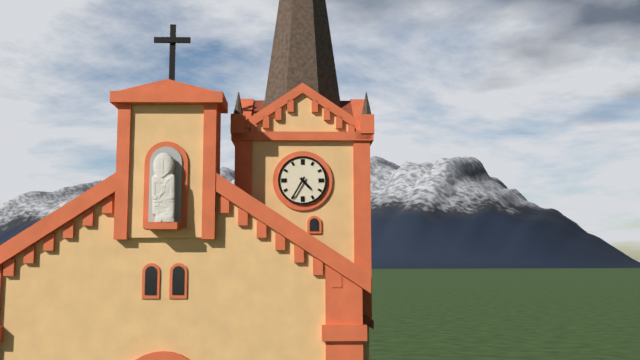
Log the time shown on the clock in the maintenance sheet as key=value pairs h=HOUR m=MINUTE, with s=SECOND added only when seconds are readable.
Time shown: h=4 m=35
